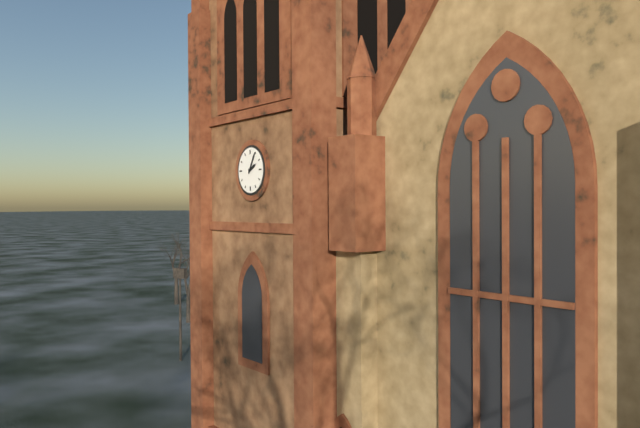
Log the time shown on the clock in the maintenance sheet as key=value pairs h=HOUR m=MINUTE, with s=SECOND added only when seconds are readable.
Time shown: h=2 m=5
